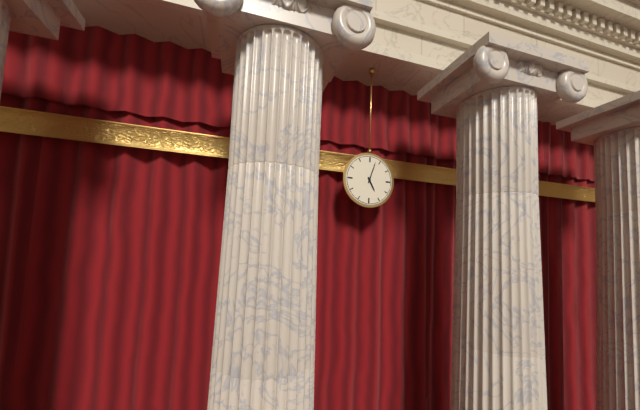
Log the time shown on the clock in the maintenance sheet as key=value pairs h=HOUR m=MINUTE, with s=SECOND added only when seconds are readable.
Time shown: h=5 m=3
